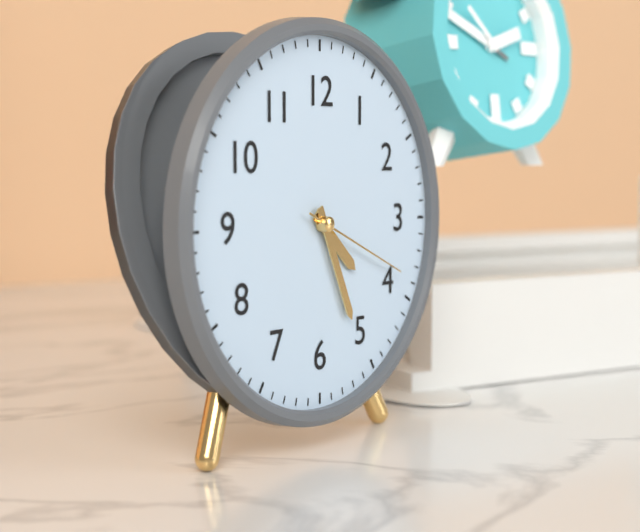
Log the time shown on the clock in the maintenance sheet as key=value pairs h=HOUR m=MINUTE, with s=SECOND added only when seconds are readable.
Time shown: h=4 m=26 s=19
